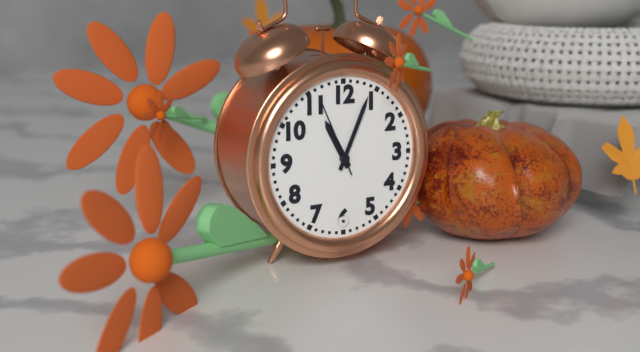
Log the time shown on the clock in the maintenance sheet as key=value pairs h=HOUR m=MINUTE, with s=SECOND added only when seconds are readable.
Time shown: h=11 m=4 s=56
